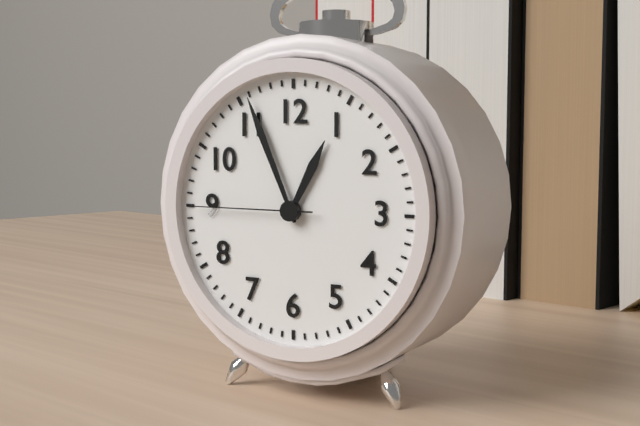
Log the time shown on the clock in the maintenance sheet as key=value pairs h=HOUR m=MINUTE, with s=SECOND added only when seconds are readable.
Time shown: h=12 m=56 s=45
